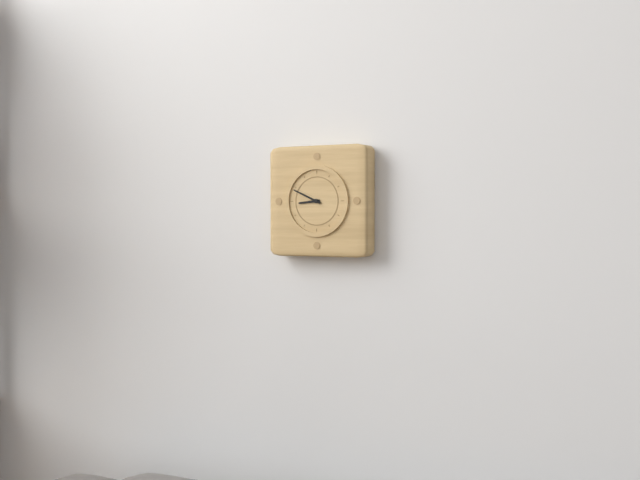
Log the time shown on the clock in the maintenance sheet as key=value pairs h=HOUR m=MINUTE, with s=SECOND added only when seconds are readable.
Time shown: h=8 m=49
